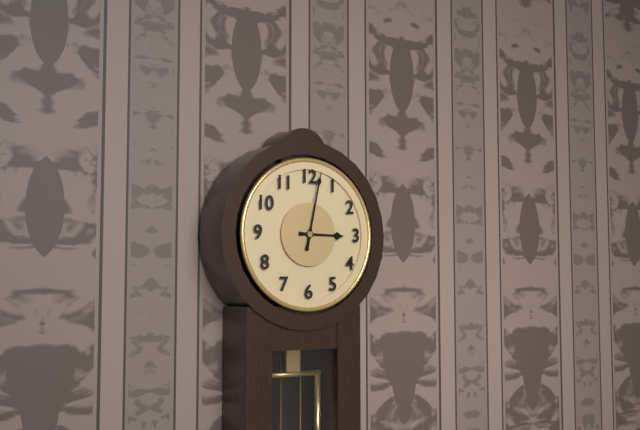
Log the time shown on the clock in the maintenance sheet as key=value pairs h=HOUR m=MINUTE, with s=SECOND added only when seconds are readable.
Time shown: h=3 m=2
